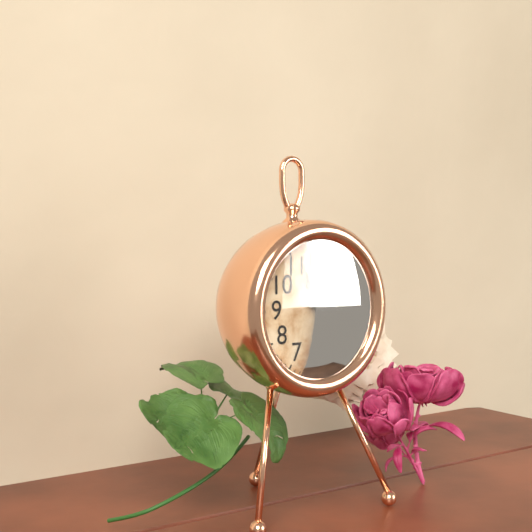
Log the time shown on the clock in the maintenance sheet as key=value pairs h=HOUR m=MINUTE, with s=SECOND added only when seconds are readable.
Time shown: h=11 m=20
